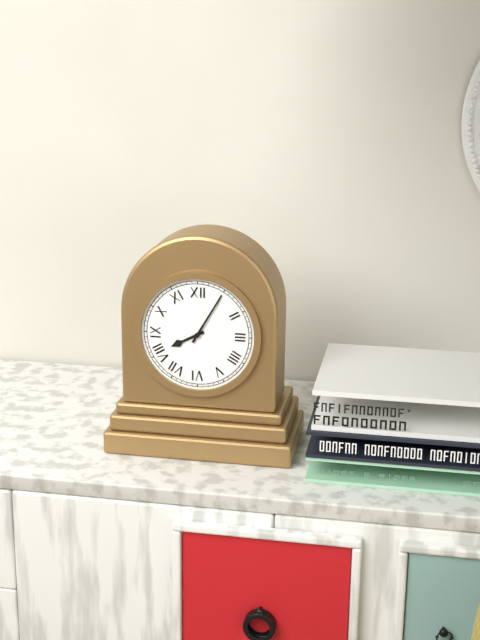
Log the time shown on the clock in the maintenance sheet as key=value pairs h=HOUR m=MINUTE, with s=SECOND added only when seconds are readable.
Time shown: h=8 m=5
